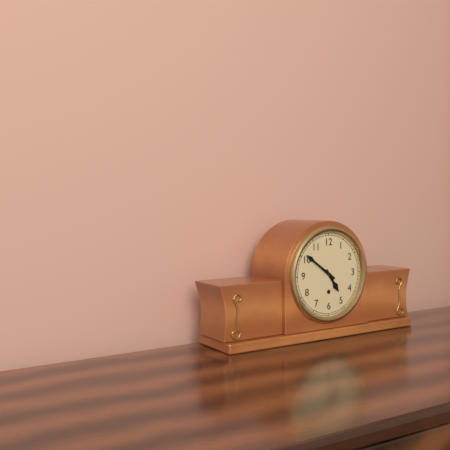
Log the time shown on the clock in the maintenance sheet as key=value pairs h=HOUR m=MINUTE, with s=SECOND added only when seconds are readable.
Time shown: h=4 m=51
